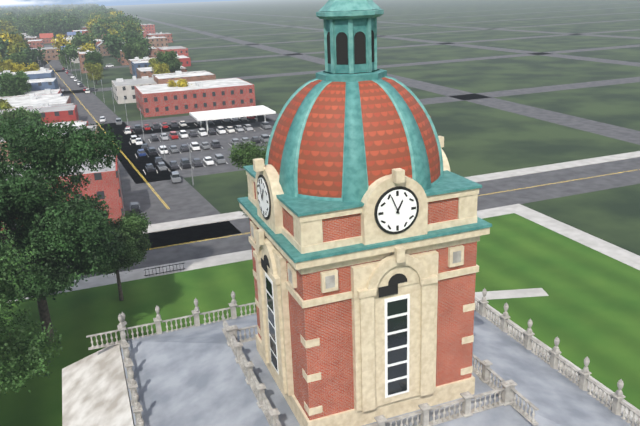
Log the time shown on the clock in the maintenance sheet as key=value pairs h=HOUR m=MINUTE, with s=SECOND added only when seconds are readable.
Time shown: h=12 m=56
